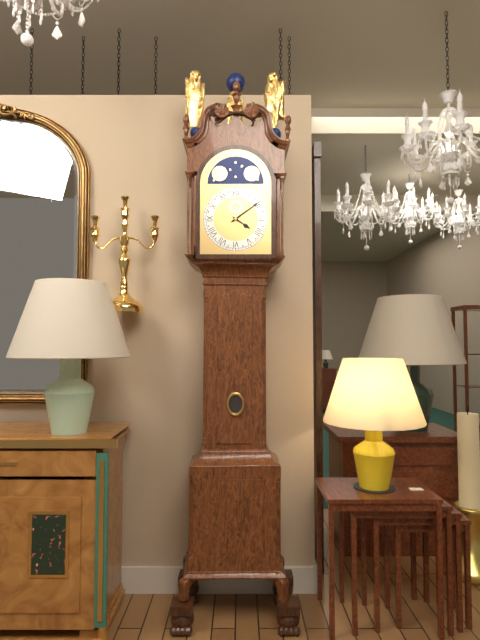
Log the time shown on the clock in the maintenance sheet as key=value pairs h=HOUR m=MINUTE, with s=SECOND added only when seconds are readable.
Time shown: h=4 m=9
